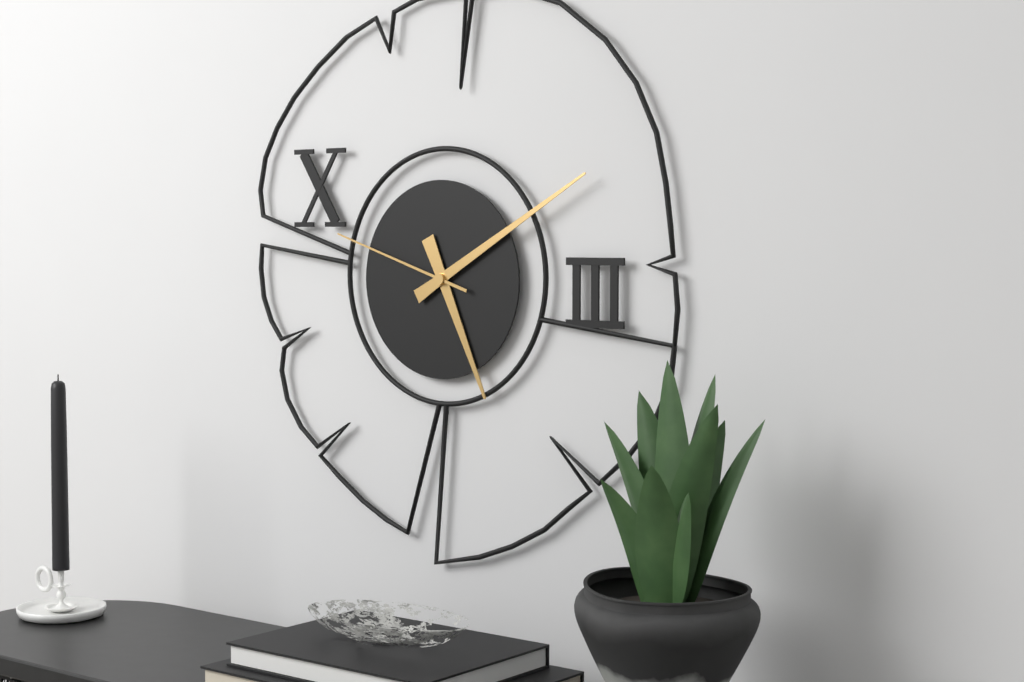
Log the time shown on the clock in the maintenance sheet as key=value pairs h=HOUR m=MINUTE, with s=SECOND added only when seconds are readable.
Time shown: h=5 m=10 s=48
